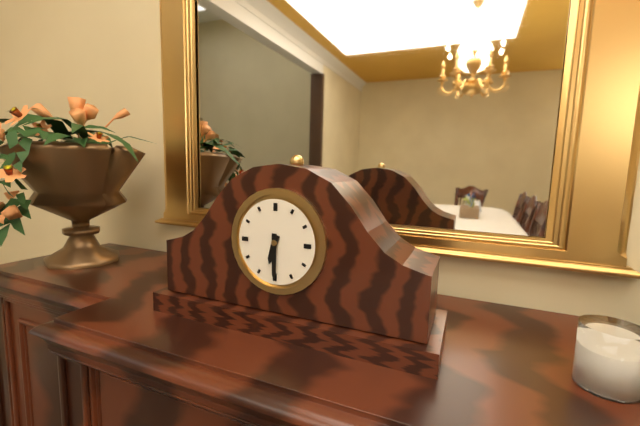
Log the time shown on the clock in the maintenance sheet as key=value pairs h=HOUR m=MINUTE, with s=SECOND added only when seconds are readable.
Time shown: h=6 m=30
